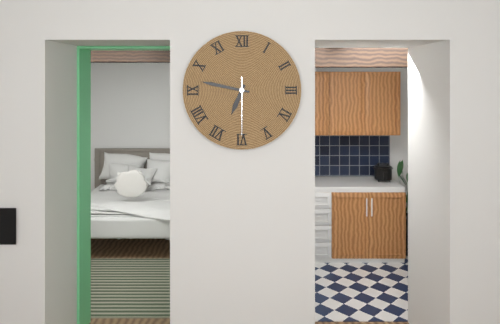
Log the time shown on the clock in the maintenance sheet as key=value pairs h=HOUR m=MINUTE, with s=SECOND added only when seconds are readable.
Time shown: h=6 m=47 s=30
